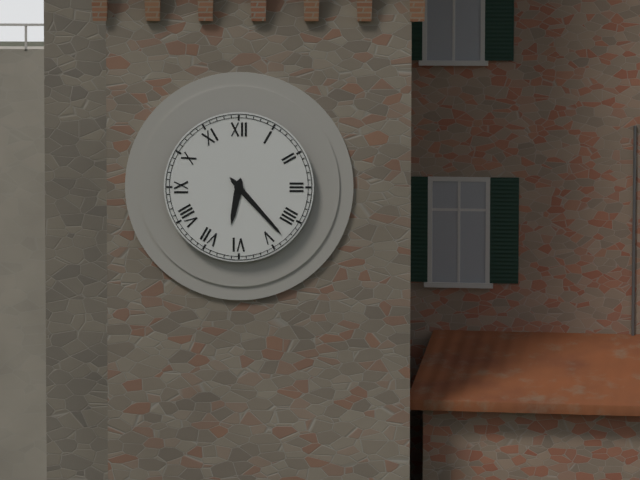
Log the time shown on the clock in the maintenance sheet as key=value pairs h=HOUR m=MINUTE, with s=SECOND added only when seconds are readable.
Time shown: h=6 m=23
